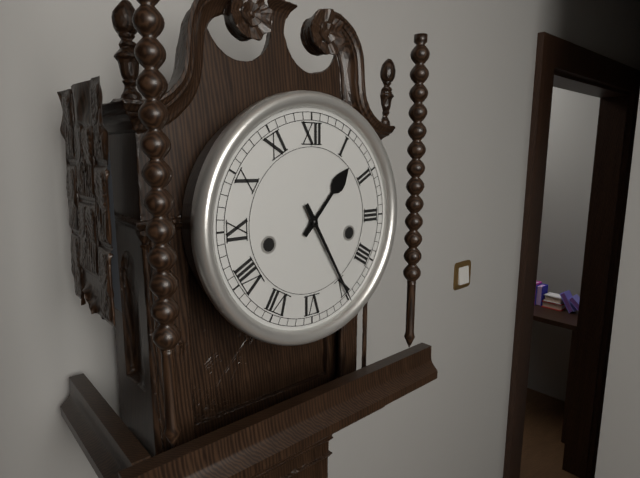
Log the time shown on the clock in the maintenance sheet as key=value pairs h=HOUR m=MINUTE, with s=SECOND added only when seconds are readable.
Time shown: h=1 m=25
